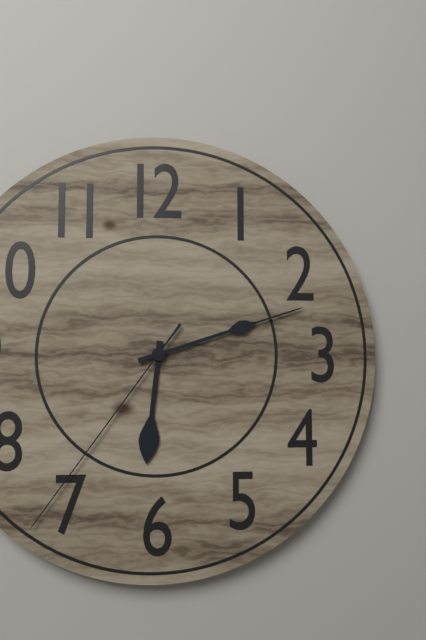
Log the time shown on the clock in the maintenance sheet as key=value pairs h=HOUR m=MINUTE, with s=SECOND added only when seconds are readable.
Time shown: h=6 m=12 s=36
